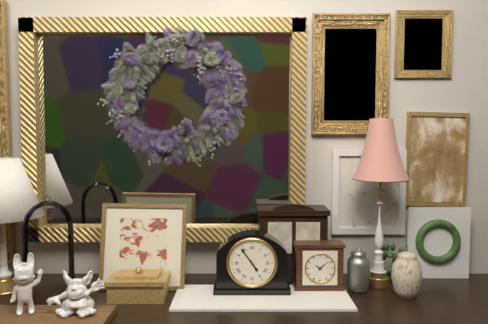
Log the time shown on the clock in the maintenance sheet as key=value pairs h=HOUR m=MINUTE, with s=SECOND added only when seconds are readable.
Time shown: h=4 m=54
